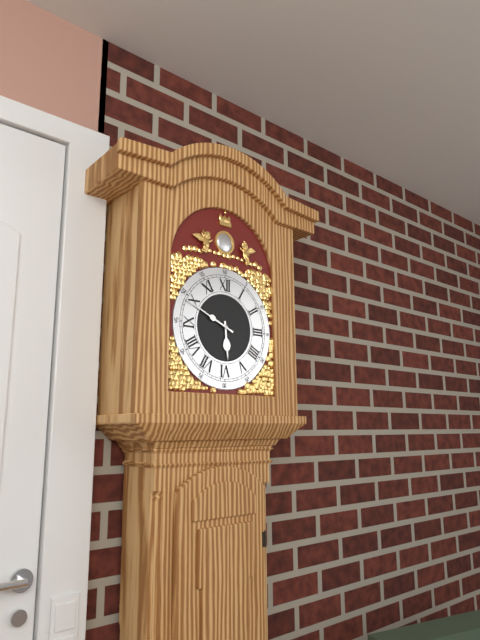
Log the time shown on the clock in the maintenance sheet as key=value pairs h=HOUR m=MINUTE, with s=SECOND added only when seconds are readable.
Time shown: h=5 m=49
